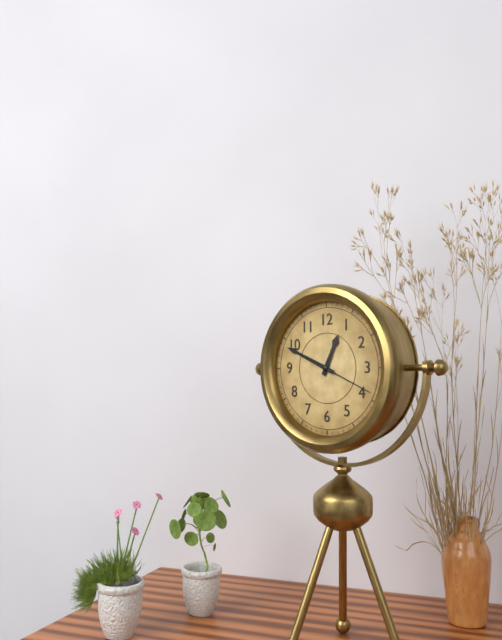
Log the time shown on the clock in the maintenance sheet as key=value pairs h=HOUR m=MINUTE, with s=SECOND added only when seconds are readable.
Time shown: h=12 m=49 s=19
